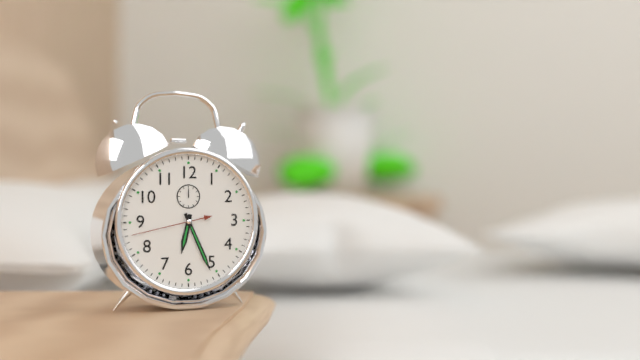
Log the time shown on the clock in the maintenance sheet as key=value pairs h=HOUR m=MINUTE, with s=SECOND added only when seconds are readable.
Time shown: h=6 m=26 s=43
